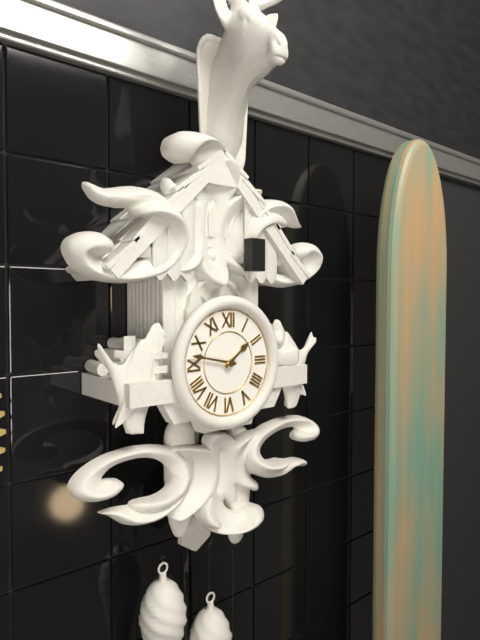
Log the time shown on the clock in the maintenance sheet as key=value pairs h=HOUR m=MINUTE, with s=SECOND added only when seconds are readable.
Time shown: h=1 m=47
